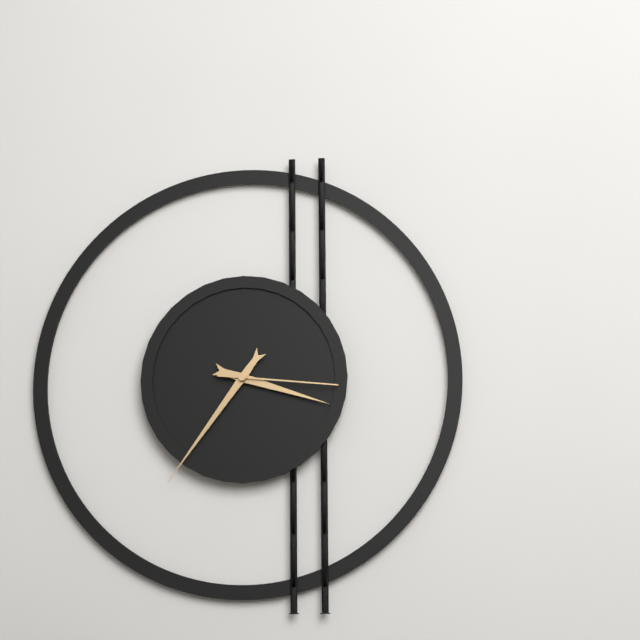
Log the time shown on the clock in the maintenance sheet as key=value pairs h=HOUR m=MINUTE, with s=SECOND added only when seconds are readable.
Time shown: h=3 m=36 s=16
